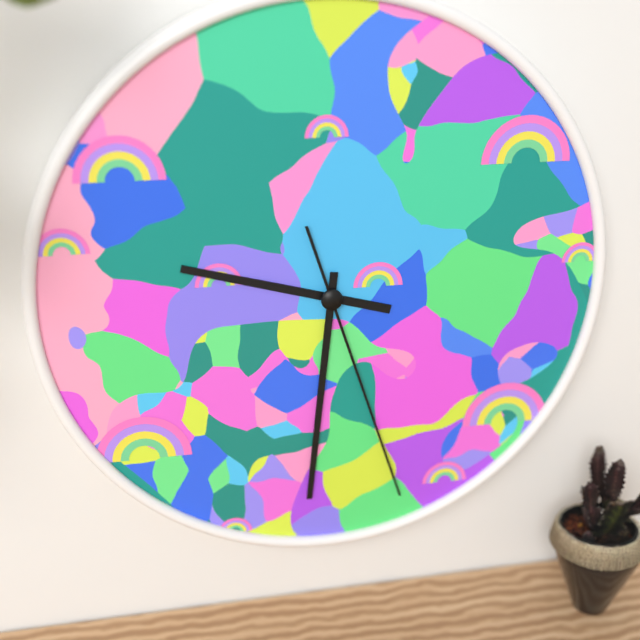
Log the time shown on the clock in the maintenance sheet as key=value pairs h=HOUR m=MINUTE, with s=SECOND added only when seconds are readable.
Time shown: h=9 m=31 s=27
